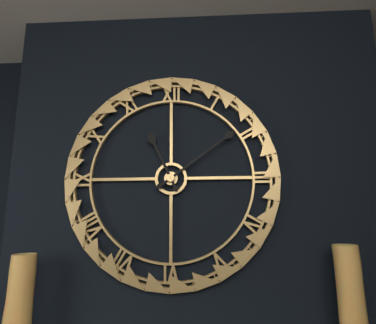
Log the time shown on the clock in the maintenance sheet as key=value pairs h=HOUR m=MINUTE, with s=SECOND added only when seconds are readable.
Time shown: h=11 m=9
